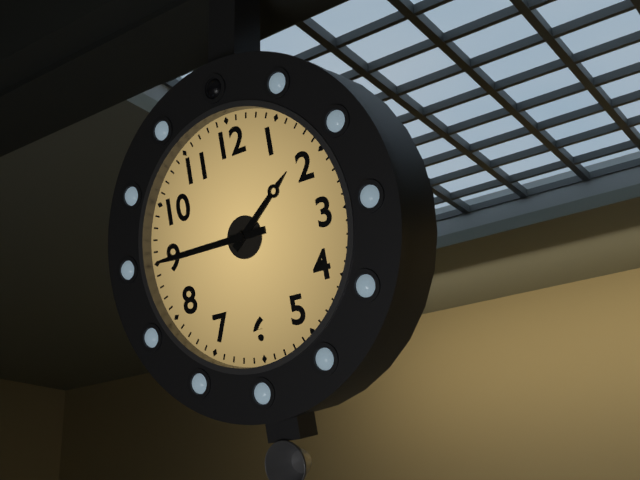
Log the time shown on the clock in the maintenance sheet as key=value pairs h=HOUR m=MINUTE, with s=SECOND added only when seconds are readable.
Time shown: h=1 m=45
